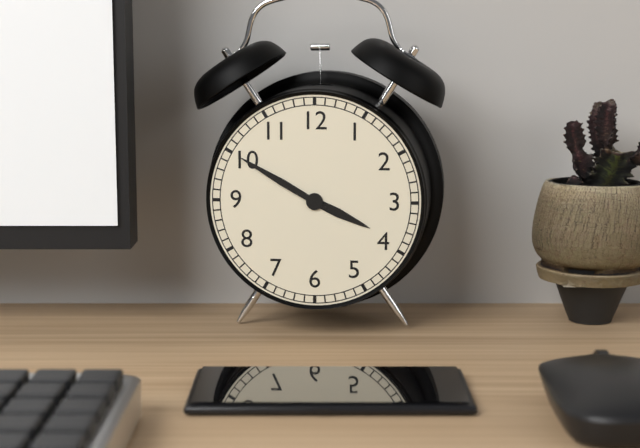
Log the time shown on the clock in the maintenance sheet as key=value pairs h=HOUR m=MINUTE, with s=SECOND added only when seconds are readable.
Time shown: h=3 m=50
